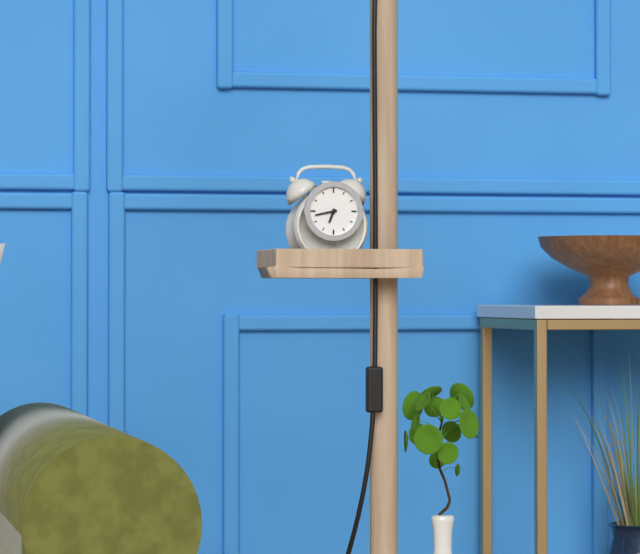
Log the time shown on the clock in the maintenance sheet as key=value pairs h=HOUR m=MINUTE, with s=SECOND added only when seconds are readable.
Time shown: h=6 m=43
